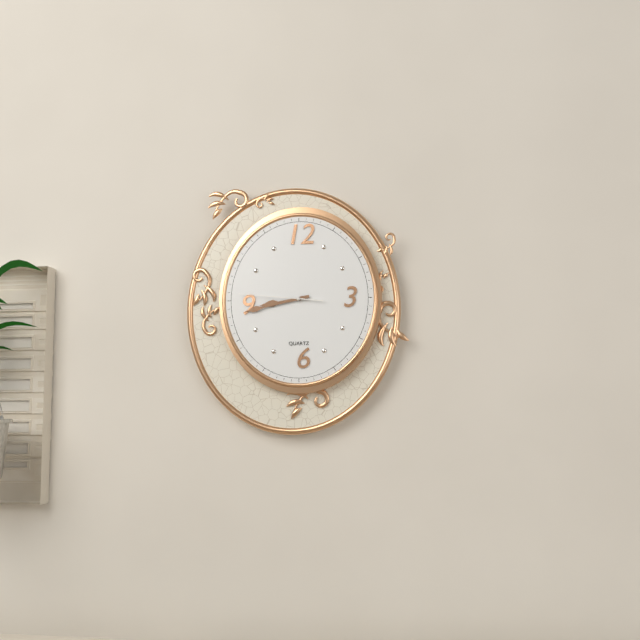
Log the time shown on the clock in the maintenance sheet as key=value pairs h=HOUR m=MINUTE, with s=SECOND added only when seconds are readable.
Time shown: h=8 m=43 s=46
